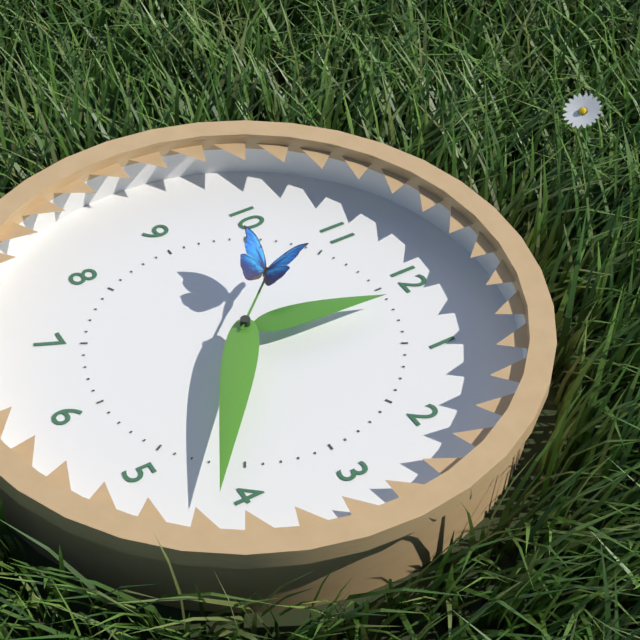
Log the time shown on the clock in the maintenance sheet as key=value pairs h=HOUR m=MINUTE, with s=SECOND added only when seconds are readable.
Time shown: h=12 m=21 s=53
